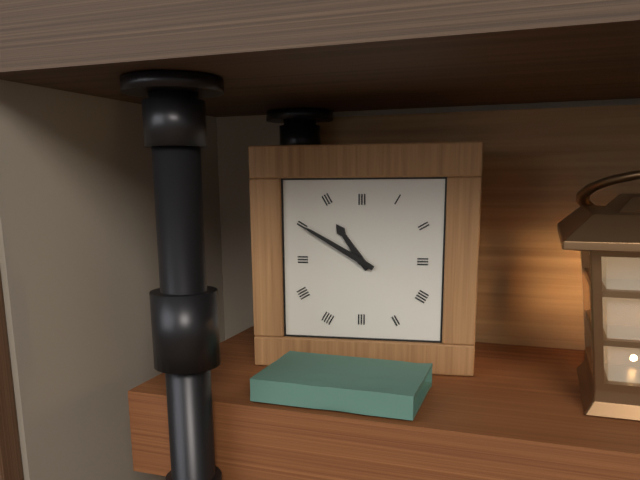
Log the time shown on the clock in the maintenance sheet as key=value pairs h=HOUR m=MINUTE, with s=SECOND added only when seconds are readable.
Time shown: h=10 m=50
